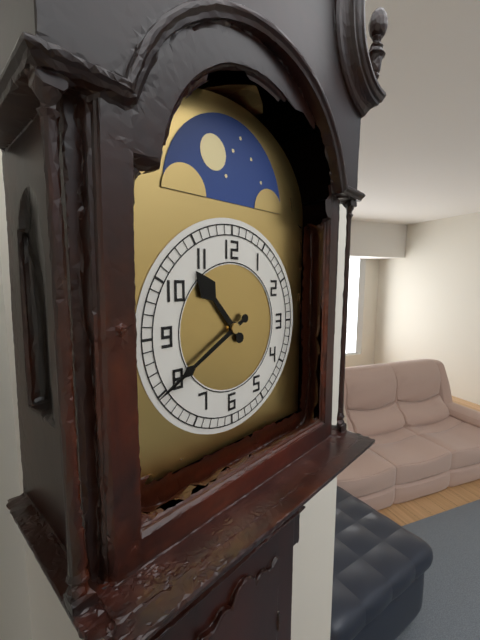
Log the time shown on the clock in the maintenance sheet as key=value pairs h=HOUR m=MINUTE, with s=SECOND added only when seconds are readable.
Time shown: h=10 m=40
